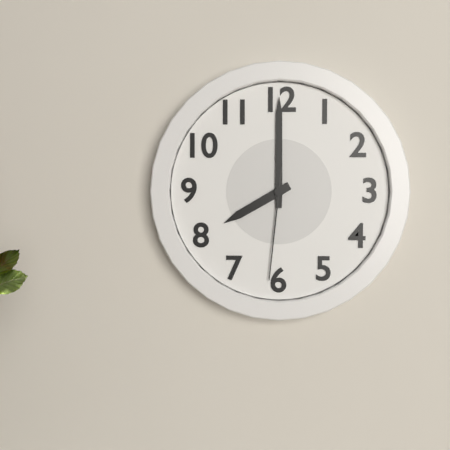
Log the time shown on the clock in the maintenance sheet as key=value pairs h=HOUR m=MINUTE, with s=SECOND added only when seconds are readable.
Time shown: h=8 m=0 s=31
